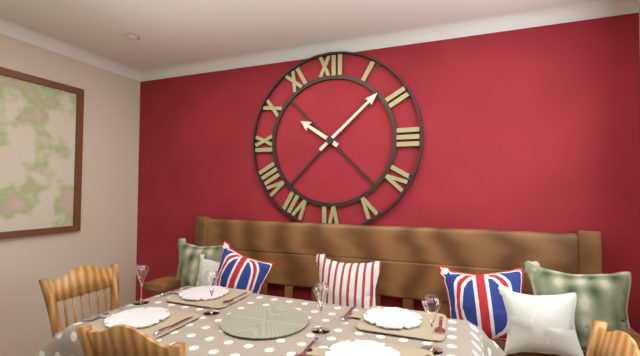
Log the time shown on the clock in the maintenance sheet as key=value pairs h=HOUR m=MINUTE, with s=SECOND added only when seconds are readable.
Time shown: h=10 m=8
